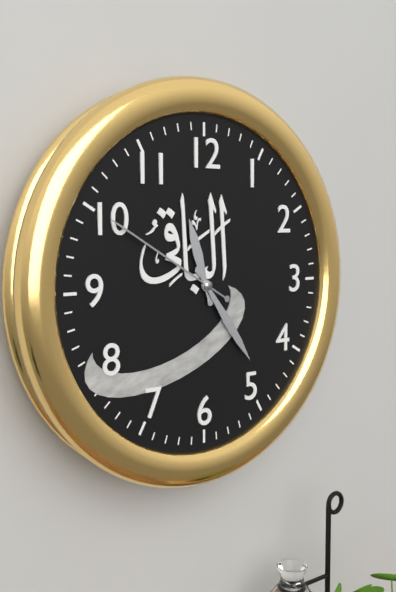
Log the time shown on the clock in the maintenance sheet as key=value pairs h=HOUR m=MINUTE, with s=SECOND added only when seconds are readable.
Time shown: h=11 m=24 s=50
